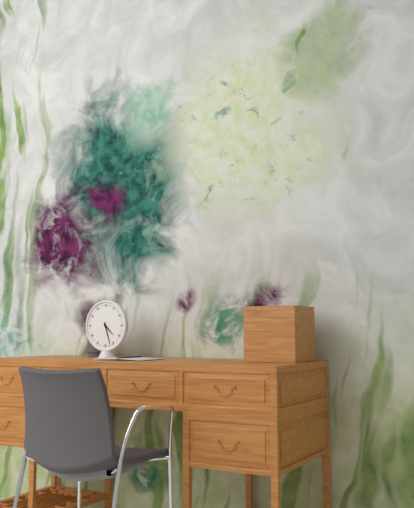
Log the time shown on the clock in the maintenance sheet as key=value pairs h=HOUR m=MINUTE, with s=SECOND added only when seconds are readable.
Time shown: h=4 m=27
